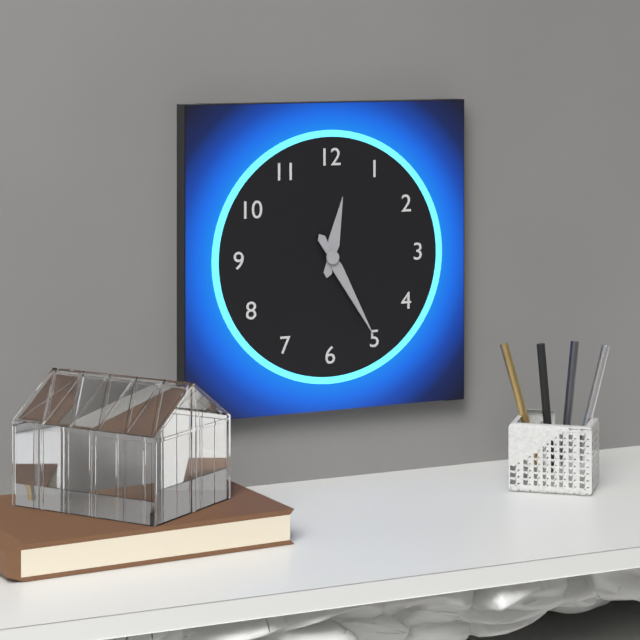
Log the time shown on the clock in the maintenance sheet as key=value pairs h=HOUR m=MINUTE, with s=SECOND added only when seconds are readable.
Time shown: h=12 m=25
